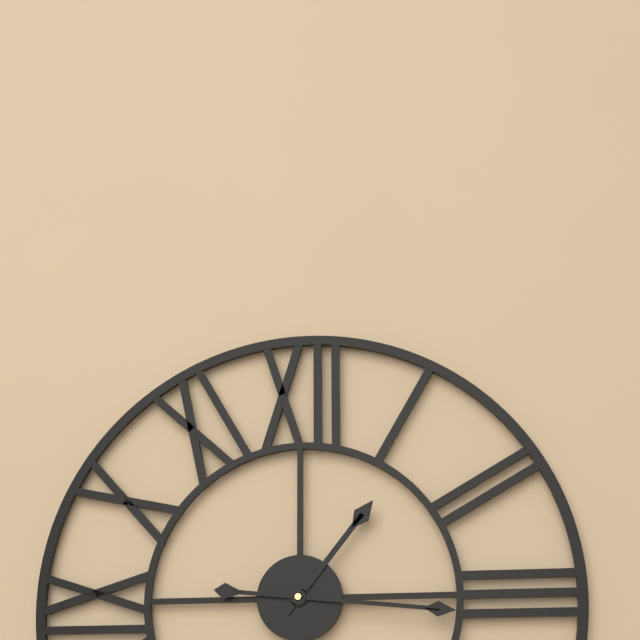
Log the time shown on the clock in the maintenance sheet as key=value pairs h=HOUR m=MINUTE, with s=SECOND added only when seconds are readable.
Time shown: h=1 m=16
